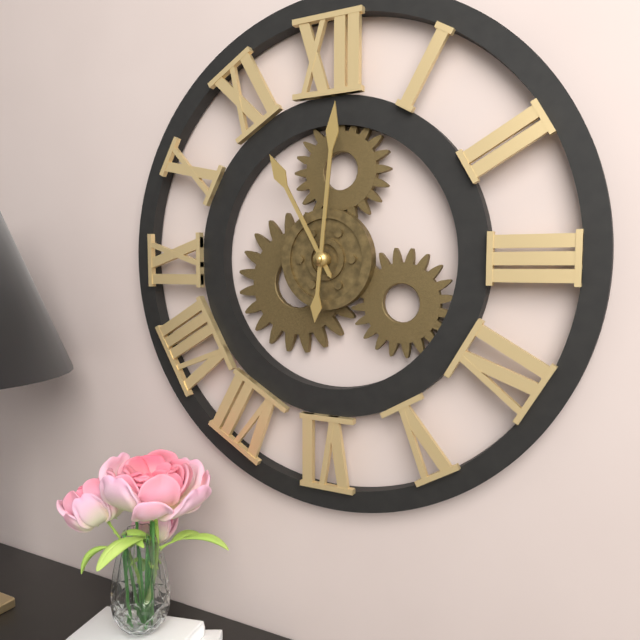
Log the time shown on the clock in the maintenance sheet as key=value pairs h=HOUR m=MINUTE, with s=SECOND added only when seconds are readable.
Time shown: h=11 m=1
